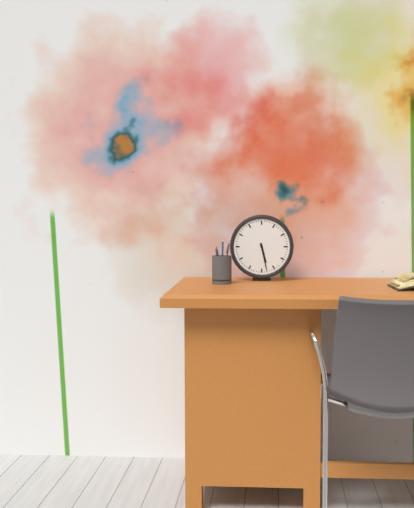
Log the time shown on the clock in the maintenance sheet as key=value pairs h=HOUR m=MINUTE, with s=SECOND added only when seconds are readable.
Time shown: h=5 m=28
